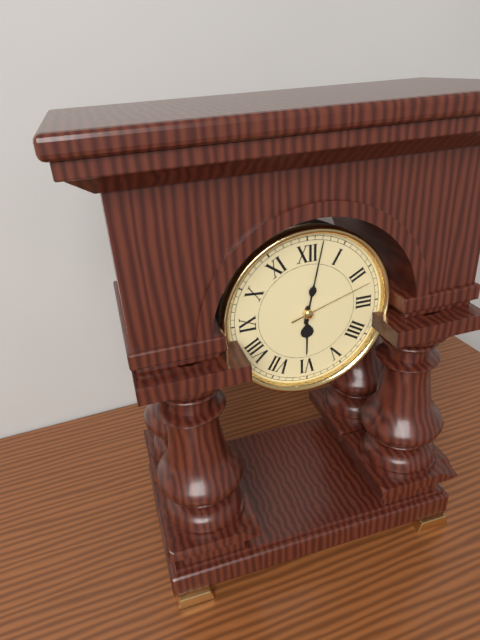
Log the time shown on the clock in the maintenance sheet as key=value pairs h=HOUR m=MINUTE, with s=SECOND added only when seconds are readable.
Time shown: h=6 m=2 s=12
